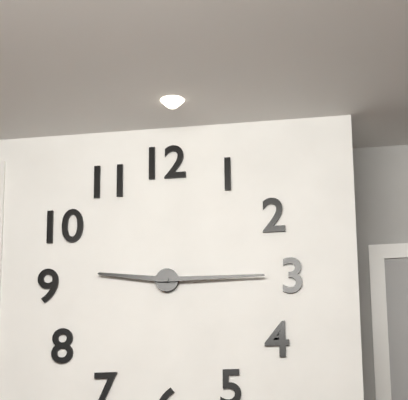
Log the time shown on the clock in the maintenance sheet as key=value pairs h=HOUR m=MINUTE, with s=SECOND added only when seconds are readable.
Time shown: h=9 m=15
